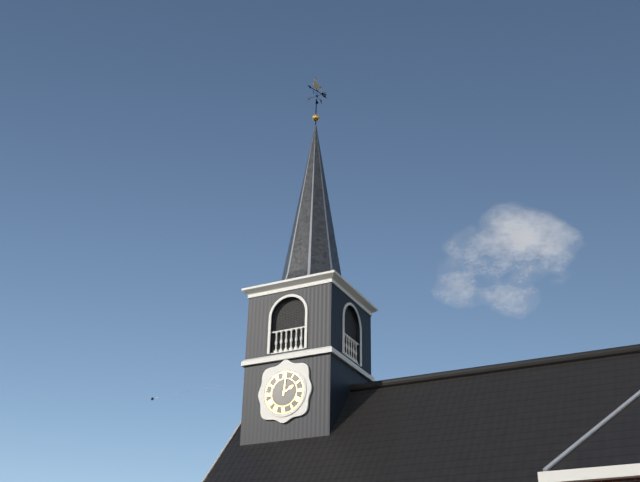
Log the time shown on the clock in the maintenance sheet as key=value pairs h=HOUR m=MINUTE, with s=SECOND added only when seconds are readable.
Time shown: h=2 m=1
